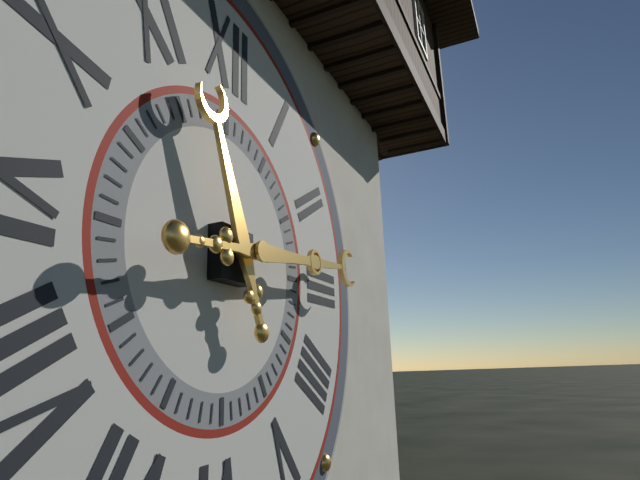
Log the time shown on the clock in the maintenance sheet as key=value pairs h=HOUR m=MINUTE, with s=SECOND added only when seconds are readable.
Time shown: h=11 m=14
